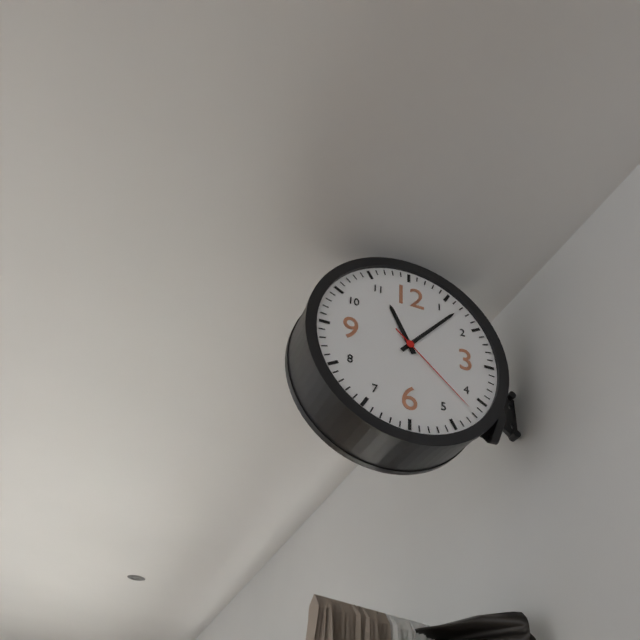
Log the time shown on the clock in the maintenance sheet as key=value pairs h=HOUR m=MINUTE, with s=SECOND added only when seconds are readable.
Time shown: h=11 m=7 s=22
